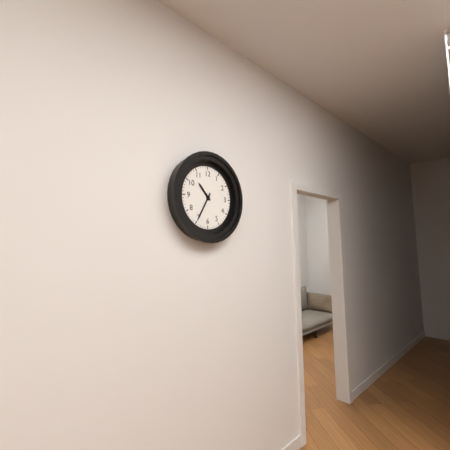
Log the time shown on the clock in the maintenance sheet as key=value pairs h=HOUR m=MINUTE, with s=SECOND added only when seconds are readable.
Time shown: h=10 m=35
